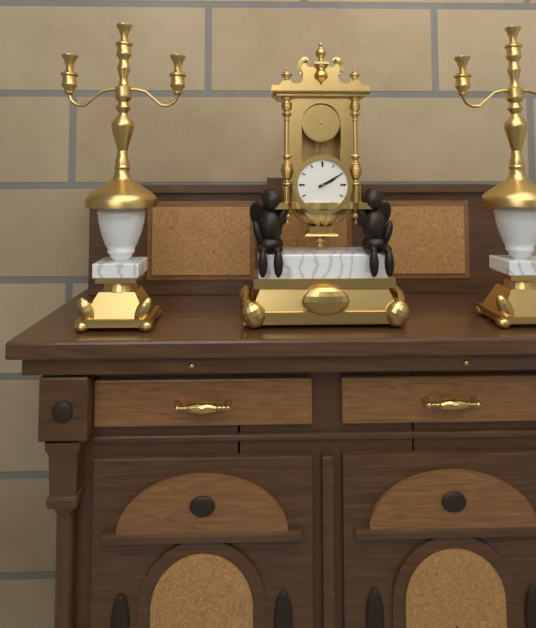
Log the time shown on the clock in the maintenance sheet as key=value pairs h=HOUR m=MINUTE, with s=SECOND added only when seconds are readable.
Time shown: h=2 m=10
